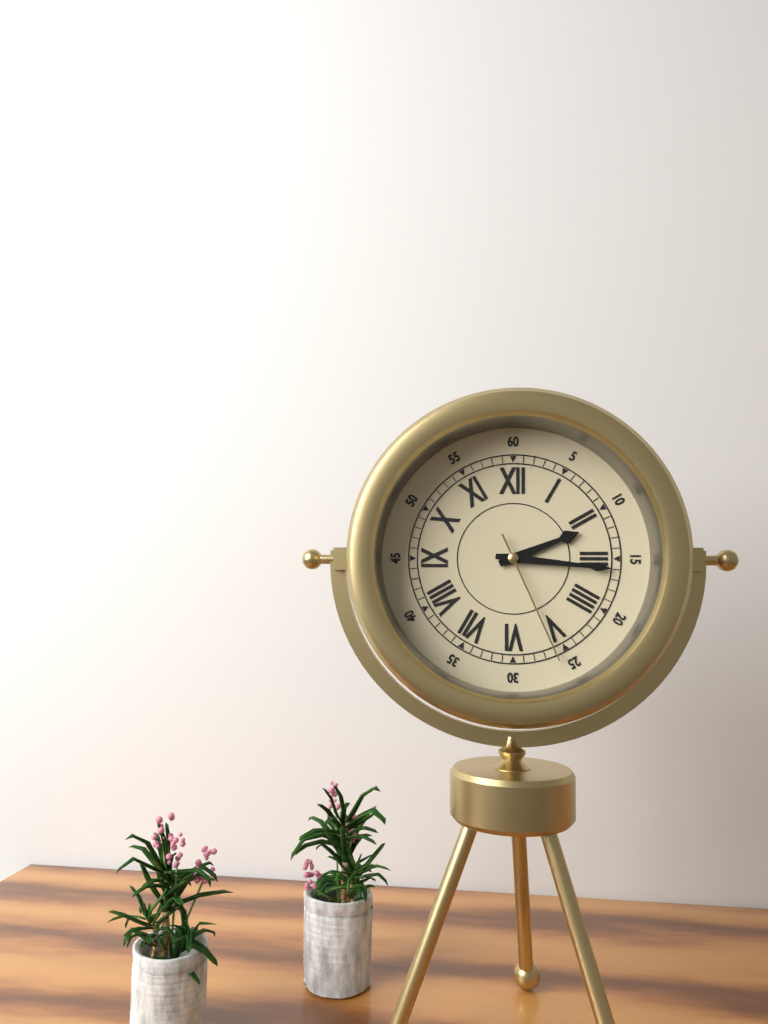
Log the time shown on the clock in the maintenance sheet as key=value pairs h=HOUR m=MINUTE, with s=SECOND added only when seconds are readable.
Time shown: h=2 m=16 s=26
